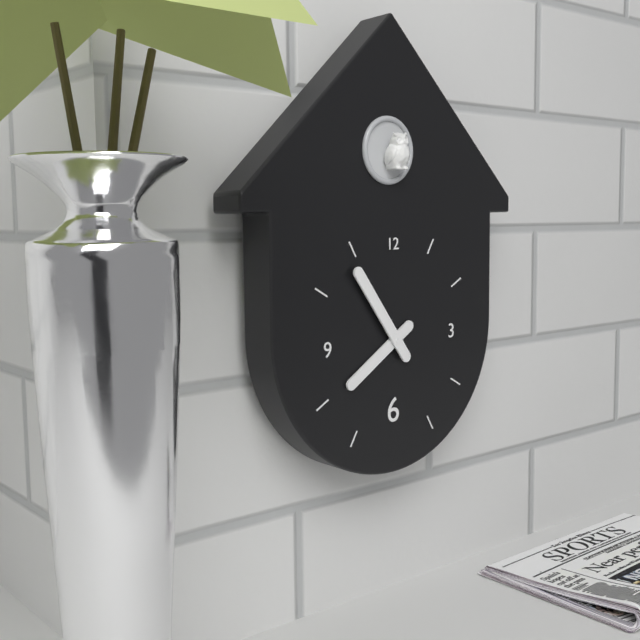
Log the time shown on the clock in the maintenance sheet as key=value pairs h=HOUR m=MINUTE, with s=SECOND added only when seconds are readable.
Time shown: h=7 m=54
